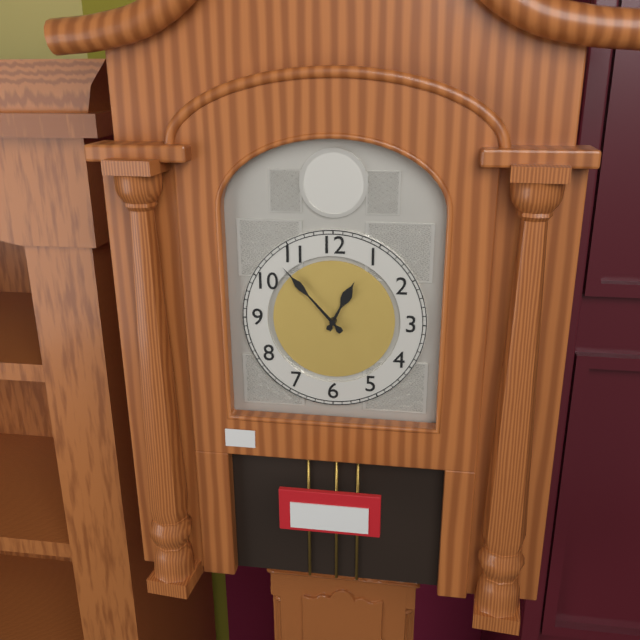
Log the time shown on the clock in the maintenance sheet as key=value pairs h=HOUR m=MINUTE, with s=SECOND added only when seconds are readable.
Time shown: h=12 m=53
